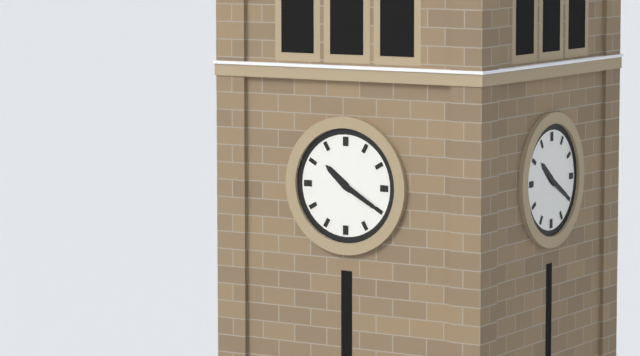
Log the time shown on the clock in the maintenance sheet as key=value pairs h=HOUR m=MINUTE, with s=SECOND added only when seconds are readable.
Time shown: h=10 m=20
